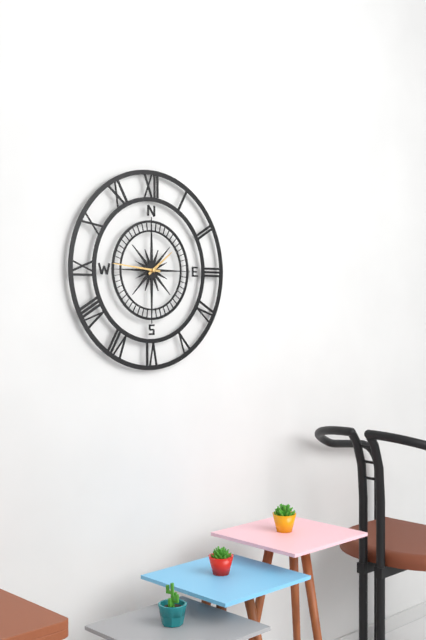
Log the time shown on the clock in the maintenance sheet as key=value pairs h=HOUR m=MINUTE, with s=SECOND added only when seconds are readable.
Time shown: h=1 m=46
